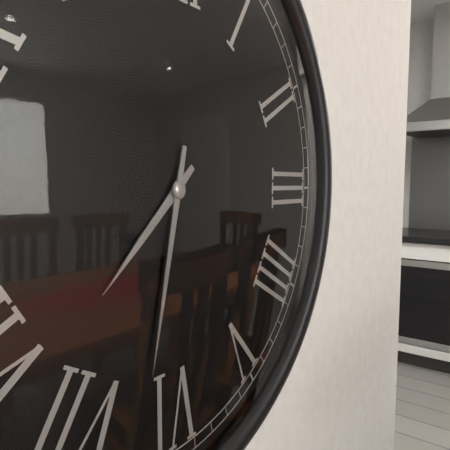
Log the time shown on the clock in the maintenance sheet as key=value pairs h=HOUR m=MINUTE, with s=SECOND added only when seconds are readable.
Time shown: h=7 m=32
